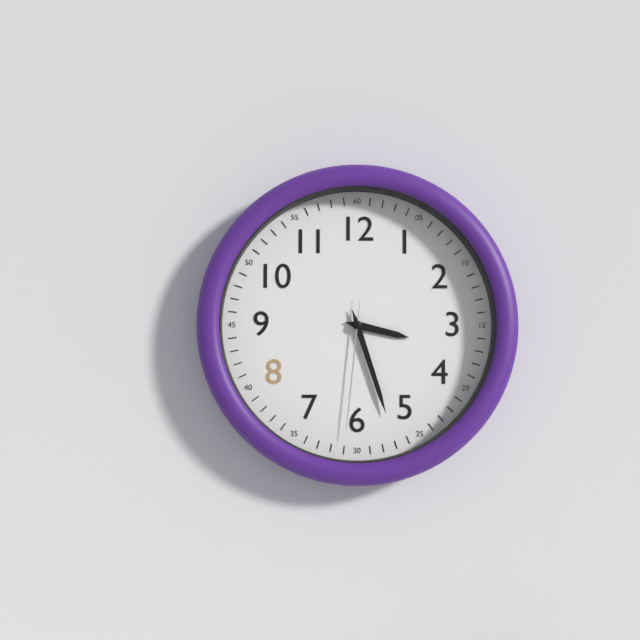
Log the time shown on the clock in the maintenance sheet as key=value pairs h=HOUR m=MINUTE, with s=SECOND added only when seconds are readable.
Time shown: h=3 m=27 s=31
